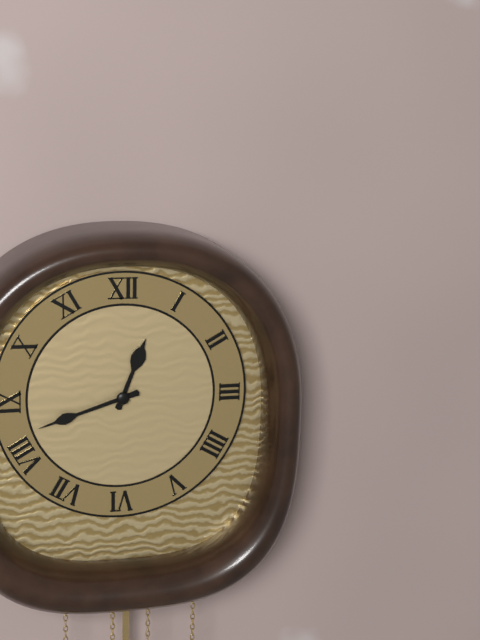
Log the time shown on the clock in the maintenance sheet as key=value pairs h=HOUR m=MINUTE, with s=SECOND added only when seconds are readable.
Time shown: h=12 m=42
